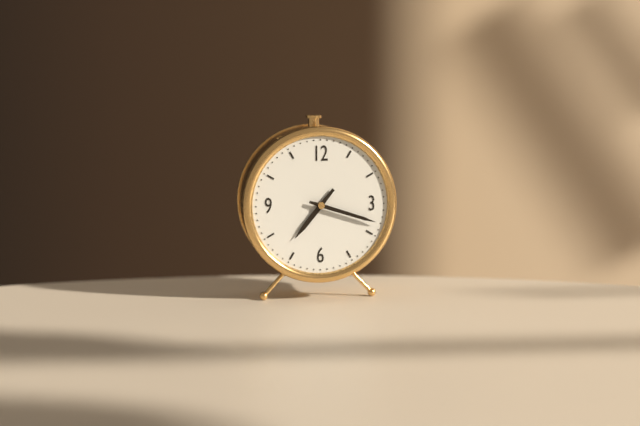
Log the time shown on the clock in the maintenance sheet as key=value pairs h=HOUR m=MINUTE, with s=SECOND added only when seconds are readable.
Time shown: h=7 m=18
